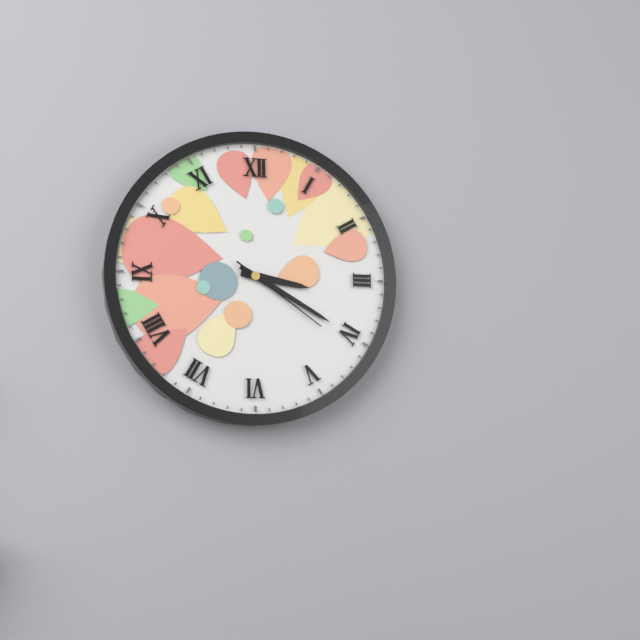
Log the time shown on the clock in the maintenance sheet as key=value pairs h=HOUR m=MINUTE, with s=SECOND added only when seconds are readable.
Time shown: h=3 m=20 s=21
